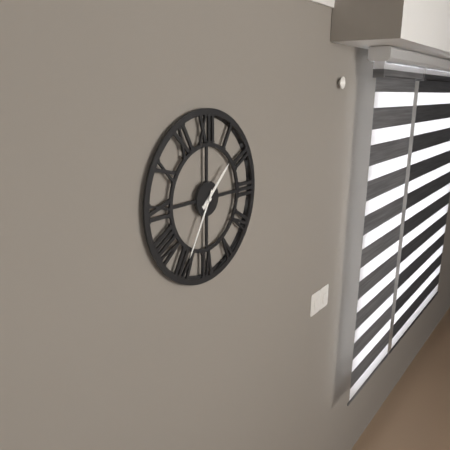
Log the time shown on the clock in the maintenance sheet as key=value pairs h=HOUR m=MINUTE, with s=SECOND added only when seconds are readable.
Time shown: h=1 m=35
